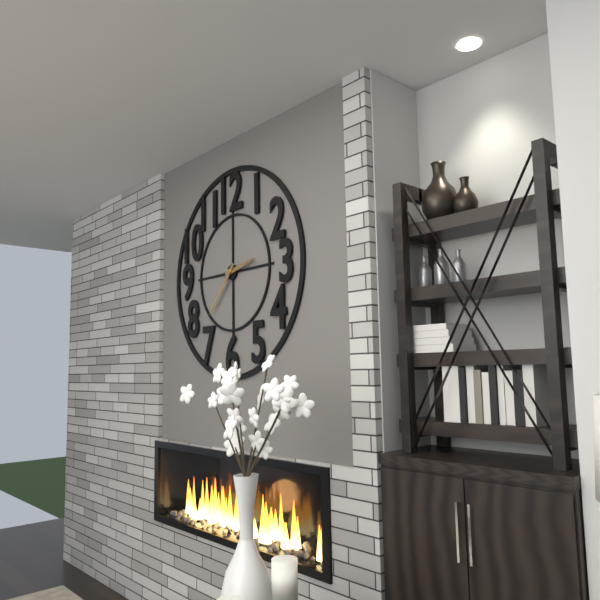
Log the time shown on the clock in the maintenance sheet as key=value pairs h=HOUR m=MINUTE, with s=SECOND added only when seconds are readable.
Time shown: h=2 m=37
